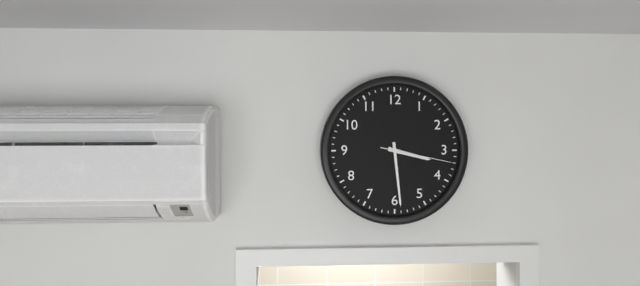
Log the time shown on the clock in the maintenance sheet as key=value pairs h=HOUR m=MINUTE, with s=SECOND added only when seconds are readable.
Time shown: h=3 m=29 s=17
